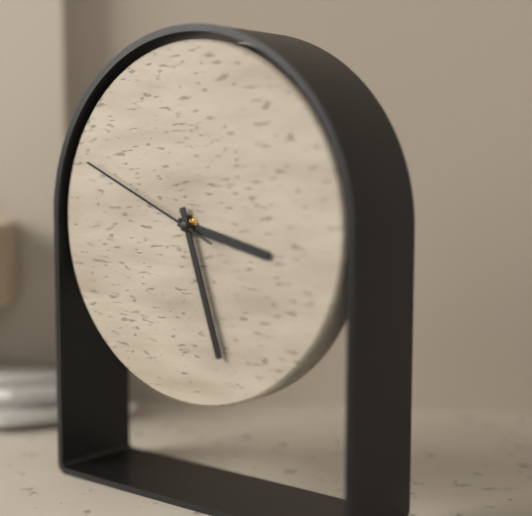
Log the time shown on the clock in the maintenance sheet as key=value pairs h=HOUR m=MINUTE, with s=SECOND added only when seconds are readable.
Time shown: h=3 m=27 s=49
